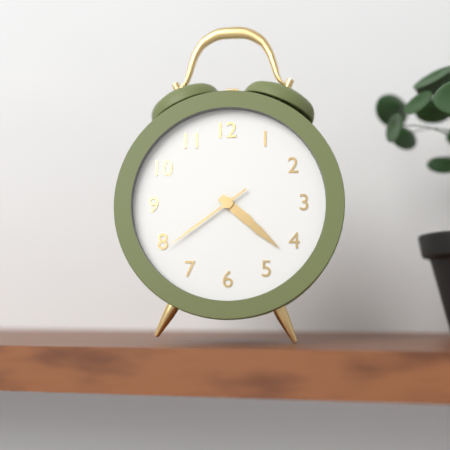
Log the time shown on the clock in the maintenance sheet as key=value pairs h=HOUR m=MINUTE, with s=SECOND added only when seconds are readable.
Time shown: h=4 m=22 s=39
